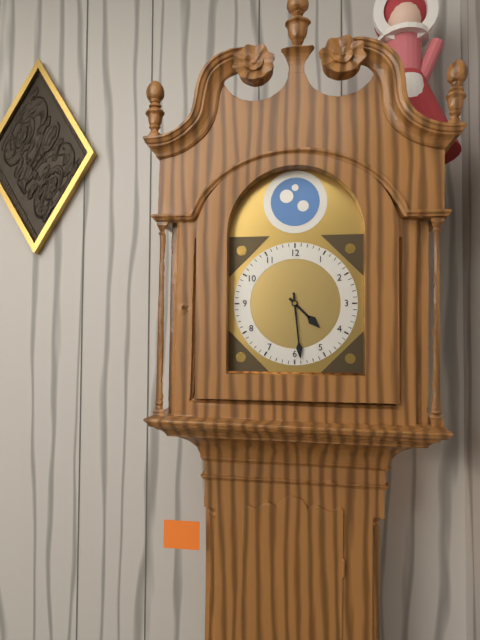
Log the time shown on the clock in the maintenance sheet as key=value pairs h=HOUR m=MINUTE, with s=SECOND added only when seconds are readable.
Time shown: h=4 m=29
